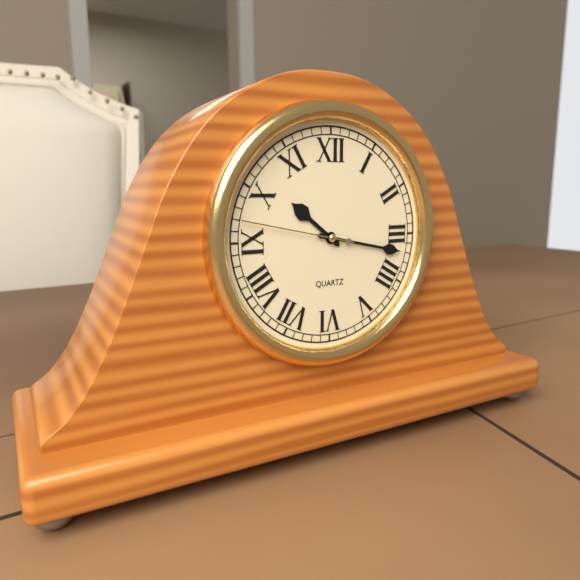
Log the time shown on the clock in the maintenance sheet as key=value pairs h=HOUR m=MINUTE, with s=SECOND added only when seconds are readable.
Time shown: h=10 m=17 s=47
